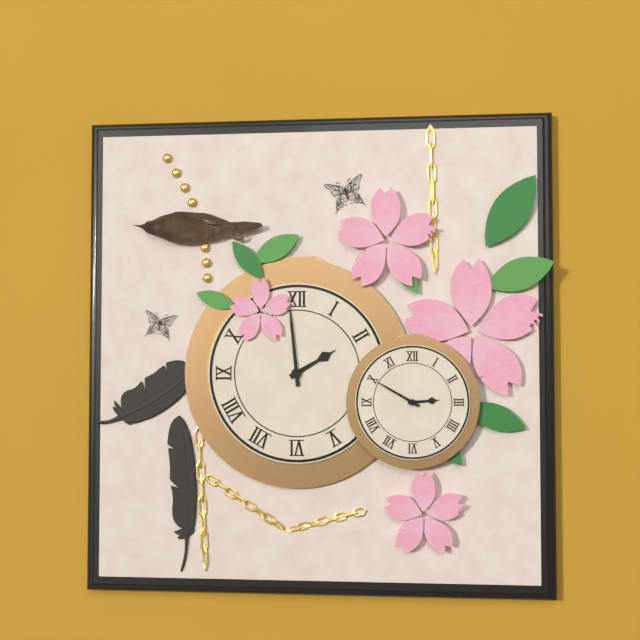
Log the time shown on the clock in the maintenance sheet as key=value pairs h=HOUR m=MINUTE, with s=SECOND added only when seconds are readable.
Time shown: h=1 m=59
